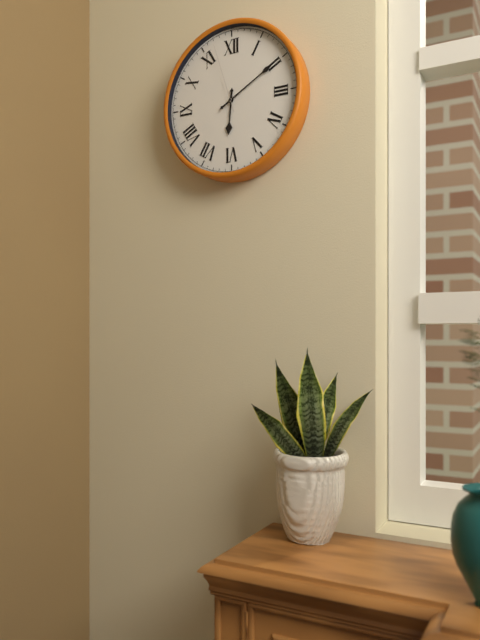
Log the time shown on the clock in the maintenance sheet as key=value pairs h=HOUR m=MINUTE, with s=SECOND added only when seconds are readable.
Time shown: h=6 m=10 s=57
